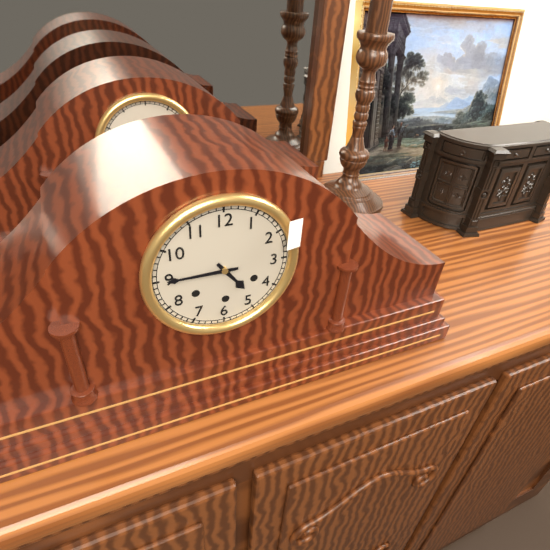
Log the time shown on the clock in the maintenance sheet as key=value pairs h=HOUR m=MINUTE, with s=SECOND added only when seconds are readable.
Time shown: h=4 m=45
